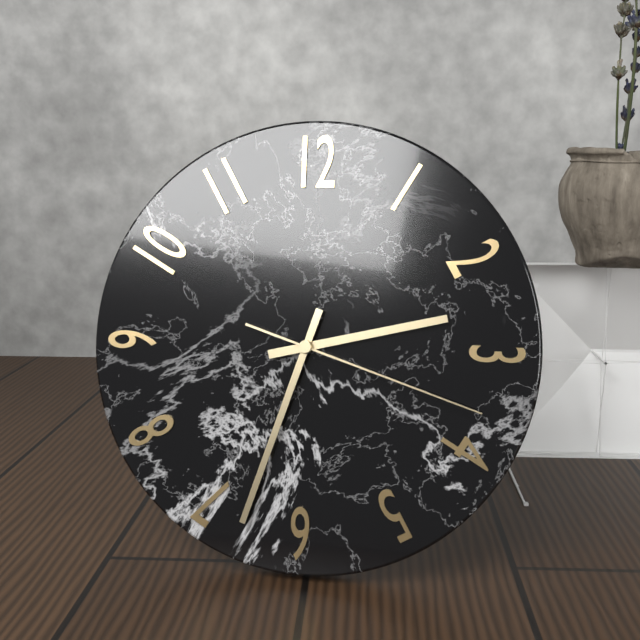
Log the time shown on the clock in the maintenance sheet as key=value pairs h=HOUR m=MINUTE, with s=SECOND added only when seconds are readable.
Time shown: h=2 m=33 s=18
